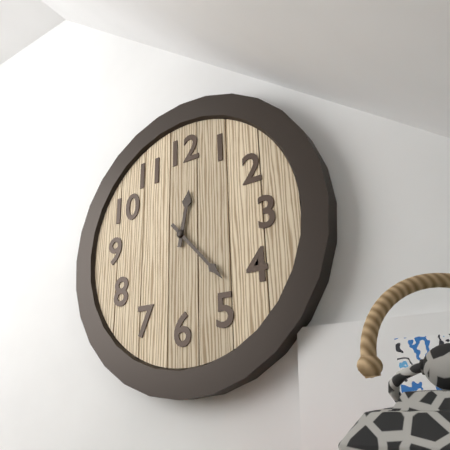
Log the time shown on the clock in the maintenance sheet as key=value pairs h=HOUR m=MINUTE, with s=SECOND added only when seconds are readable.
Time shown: h=12 m=23
